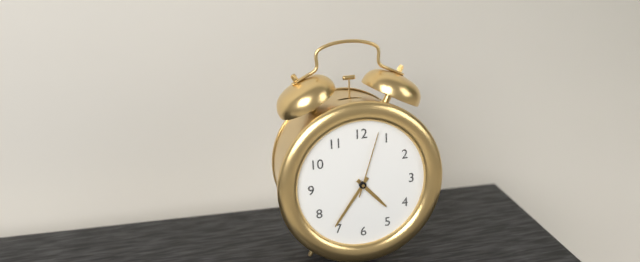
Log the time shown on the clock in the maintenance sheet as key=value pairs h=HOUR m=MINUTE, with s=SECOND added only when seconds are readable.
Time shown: h=4 m=36 s=3
